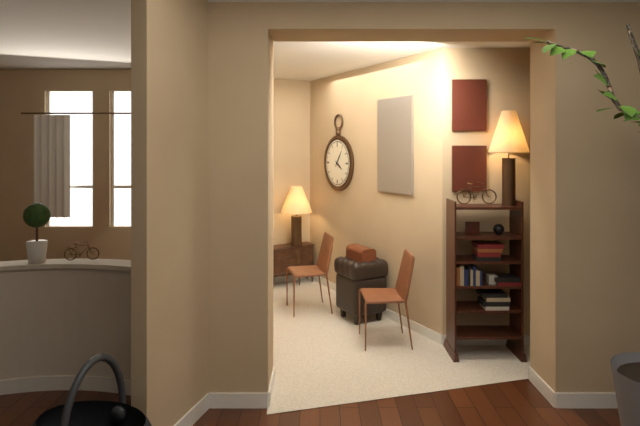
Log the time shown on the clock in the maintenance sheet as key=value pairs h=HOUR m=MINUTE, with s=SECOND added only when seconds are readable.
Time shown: h=4 m=6
